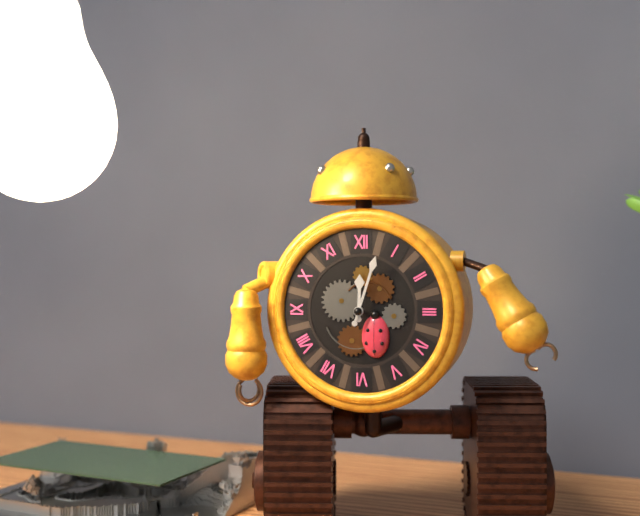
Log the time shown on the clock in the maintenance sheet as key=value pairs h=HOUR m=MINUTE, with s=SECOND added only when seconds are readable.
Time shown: h=12 m=3
